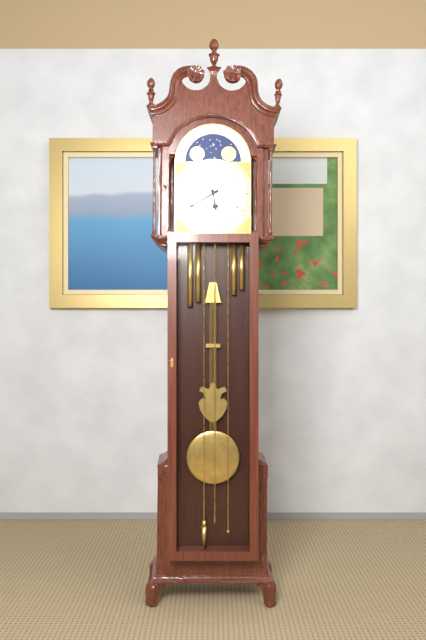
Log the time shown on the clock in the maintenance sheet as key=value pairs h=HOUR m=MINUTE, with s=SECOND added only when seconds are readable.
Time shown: h=5 m=40
